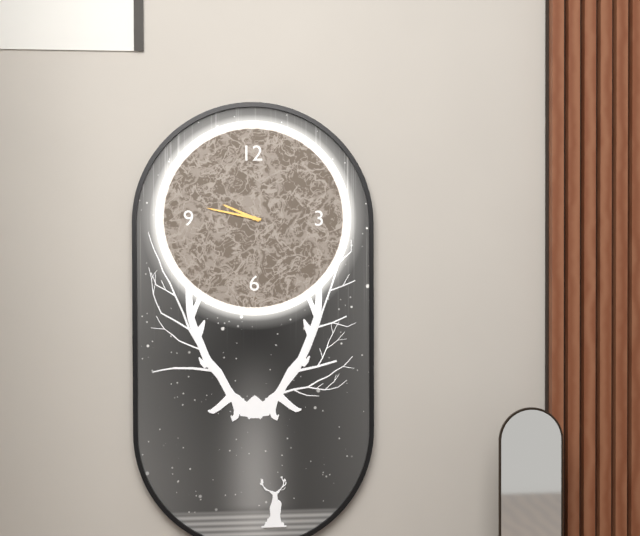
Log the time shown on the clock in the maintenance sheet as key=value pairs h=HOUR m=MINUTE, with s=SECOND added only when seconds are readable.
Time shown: h=9 m=47
